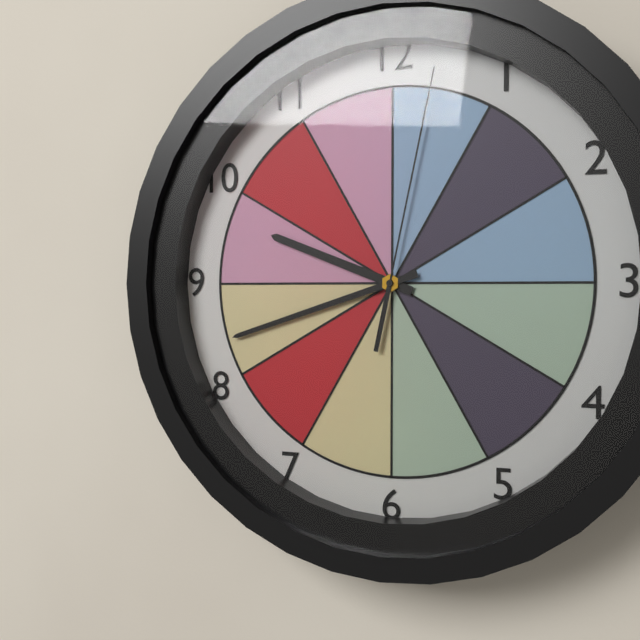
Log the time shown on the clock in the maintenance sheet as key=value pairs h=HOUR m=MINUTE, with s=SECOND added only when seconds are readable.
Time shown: h=9 m=42 s=2
